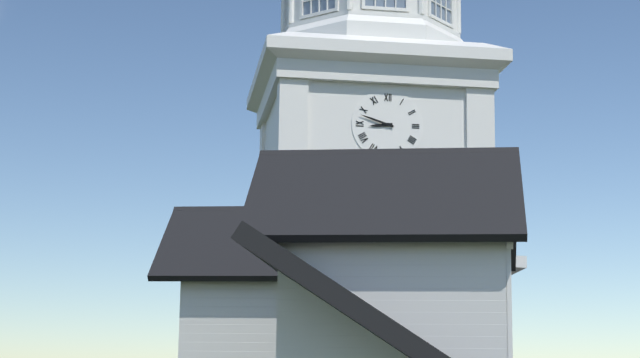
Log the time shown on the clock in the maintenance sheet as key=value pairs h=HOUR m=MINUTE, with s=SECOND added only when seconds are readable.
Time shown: h=8 m=48
